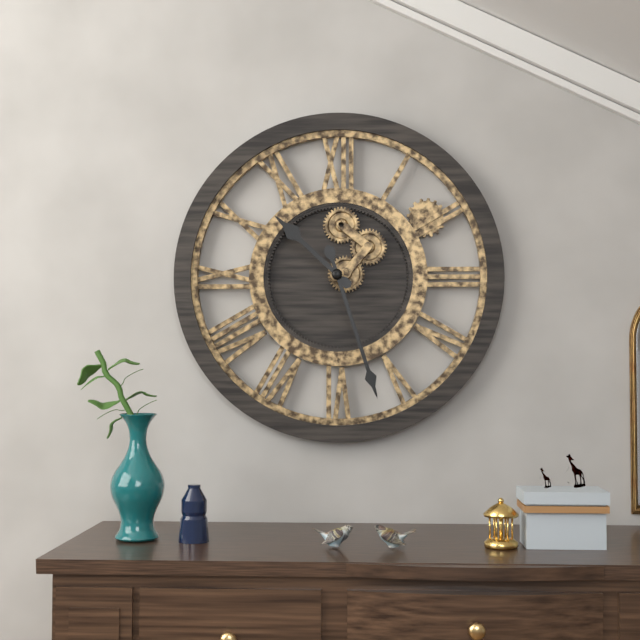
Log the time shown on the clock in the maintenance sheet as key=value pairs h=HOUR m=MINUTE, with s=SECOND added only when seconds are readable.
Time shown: h=10 m=27
